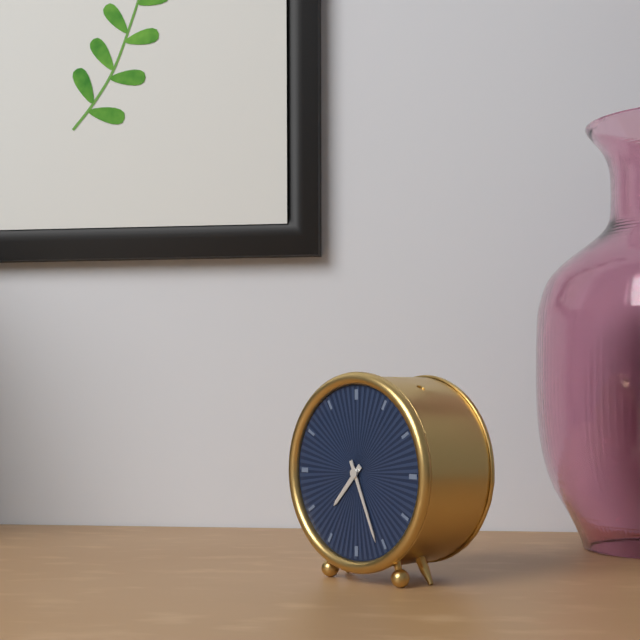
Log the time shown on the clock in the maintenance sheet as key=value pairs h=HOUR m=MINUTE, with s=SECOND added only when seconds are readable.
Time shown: h=7 m=26
